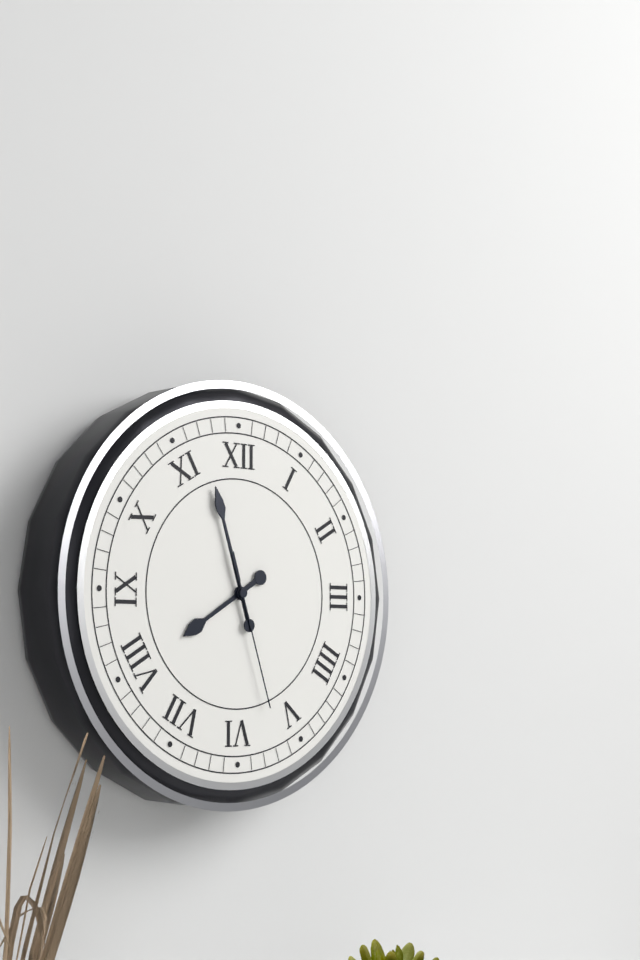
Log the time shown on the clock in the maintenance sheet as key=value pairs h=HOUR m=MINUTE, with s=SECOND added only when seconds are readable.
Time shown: h=7 m=57 s=27
